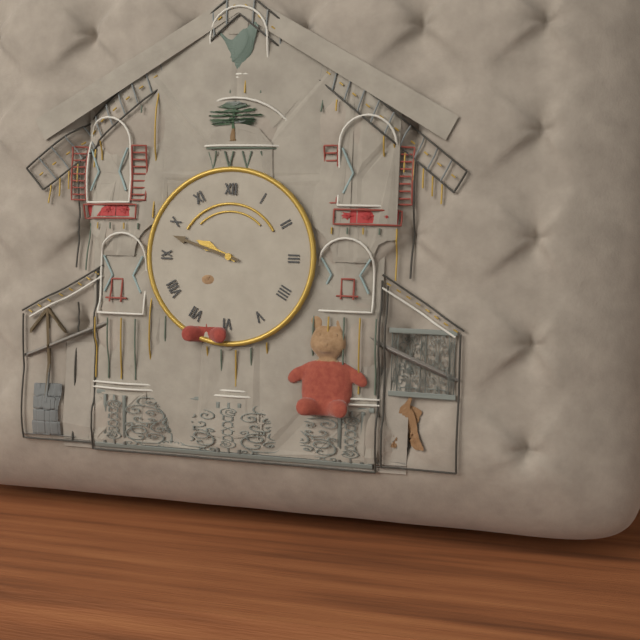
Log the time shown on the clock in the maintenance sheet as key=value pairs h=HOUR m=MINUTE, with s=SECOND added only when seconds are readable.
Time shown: h=9 m=48
